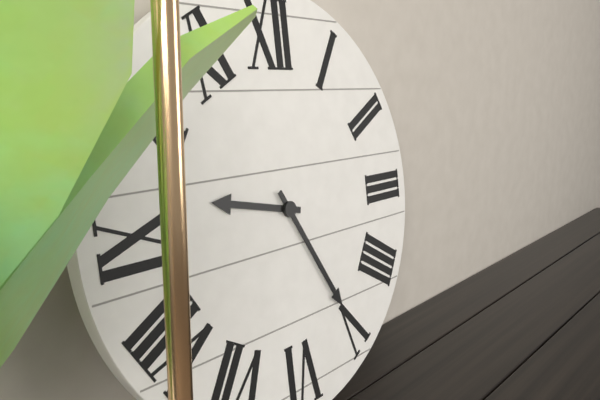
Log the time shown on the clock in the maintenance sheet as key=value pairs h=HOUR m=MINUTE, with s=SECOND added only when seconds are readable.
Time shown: h=9 m=25
